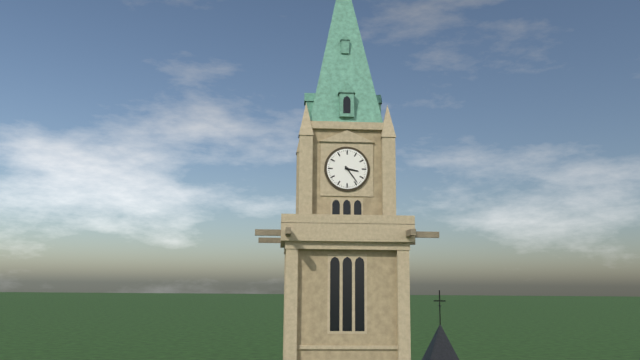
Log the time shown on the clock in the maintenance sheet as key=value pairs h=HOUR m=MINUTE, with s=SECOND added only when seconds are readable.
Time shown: h=3 m=24
